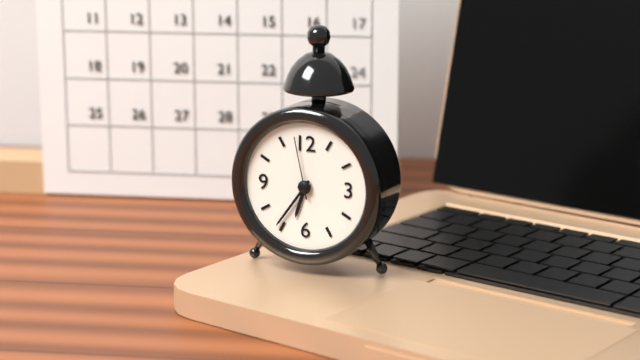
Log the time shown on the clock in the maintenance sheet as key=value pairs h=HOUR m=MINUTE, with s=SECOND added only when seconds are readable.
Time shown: h=6 m=36 s=58
